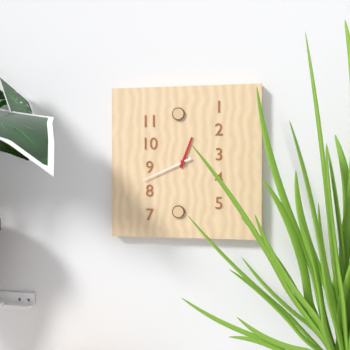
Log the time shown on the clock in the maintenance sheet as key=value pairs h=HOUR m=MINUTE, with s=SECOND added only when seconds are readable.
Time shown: h=12 m=41
